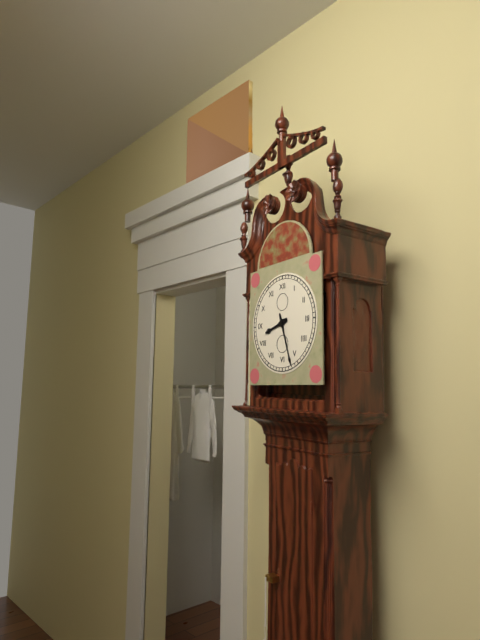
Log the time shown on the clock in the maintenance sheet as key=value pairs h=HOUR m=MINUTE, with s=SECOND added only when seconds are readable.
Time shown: h=8 m=27
